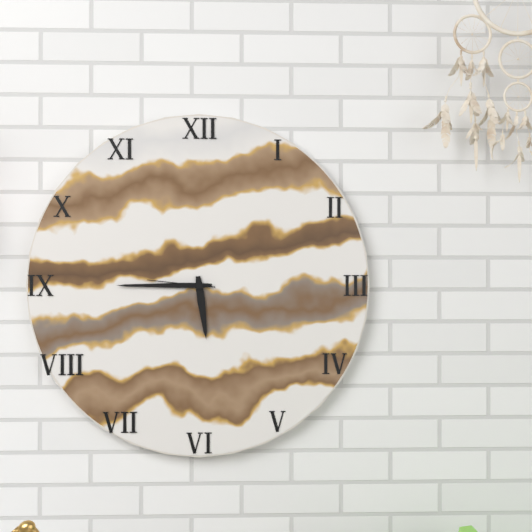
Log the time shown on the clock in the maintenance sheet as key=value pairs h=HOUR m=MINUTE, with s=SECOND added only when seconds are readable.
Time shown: h=5 m=45 s=46
